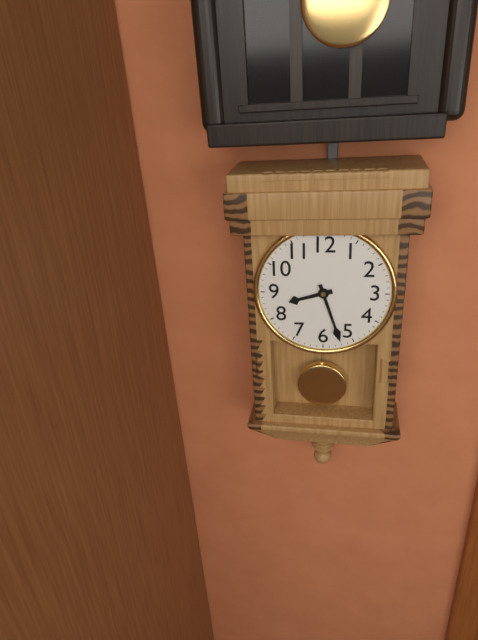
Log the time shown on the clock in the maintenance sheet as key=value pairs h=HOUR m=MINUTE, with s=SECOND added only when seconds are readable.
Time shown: h=8 m=27
